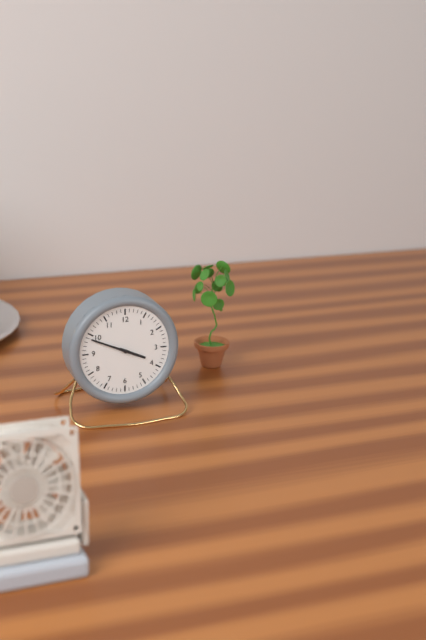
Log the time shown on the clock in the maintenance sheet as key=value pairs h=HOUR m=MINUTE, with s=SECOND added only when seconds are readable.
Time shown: h=3 m=49
